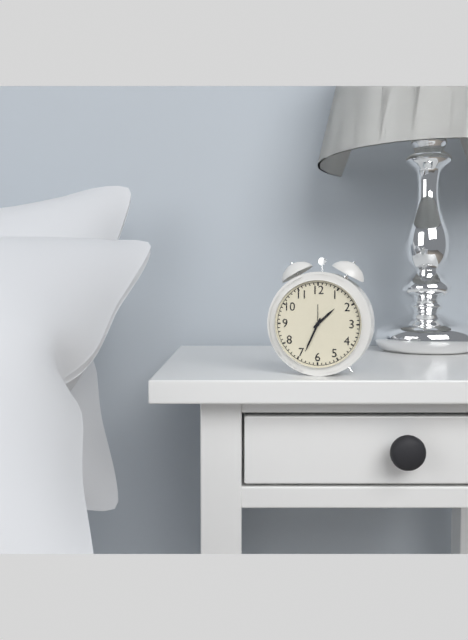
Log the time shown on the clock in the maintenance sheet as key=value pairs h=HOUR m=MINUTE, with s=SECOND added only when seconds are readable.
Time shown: h=1 m=34
